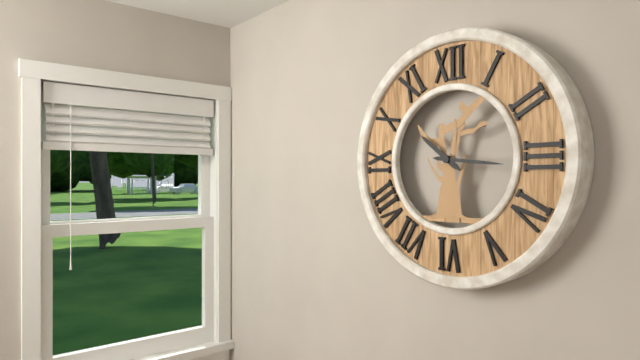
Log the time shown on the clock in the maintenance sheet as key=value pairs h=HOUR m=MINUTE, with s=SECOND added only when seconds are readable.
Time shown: h=10 m=16
